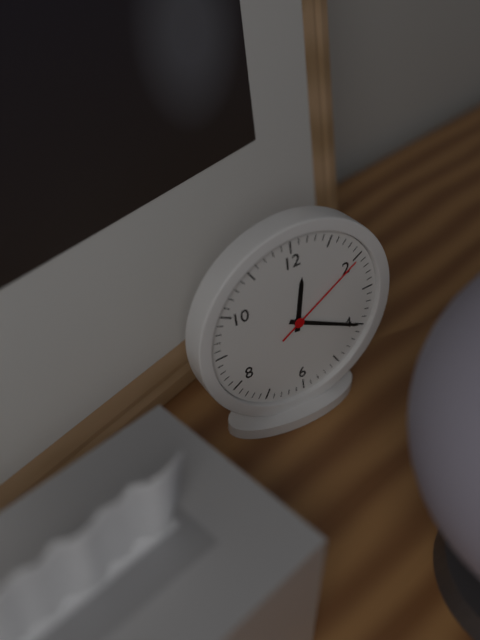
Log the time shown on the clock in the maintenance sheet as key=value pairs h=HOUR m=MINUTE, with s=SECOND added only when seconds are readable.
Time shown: h=12 m=20 s=10
